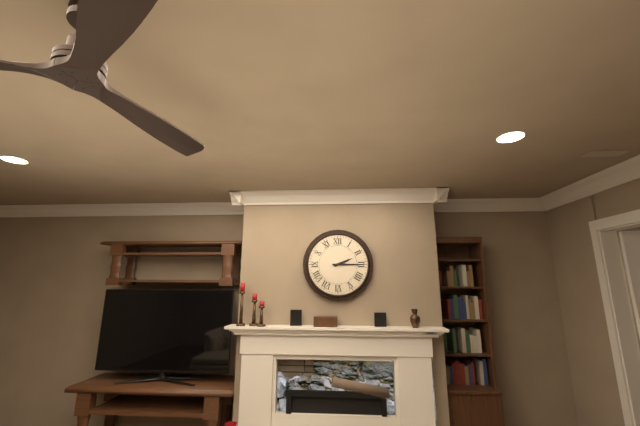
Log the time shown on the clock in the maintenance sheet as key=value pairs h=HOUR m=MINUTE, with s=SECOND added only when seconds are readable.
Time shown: h=2 m=15
